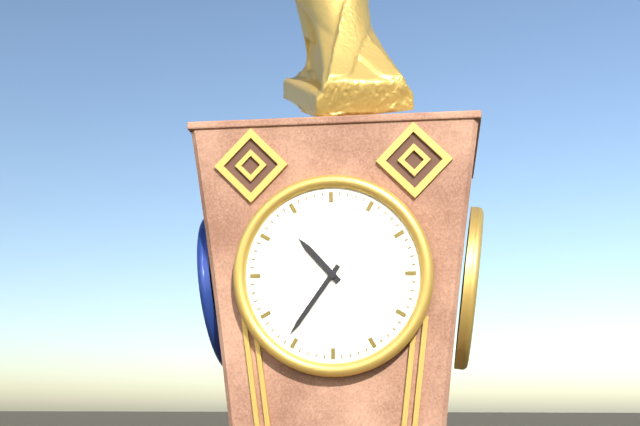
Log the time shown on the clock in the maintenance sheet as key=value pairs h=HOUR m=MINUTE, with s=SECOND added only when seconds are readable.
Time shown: h=10 m=36
